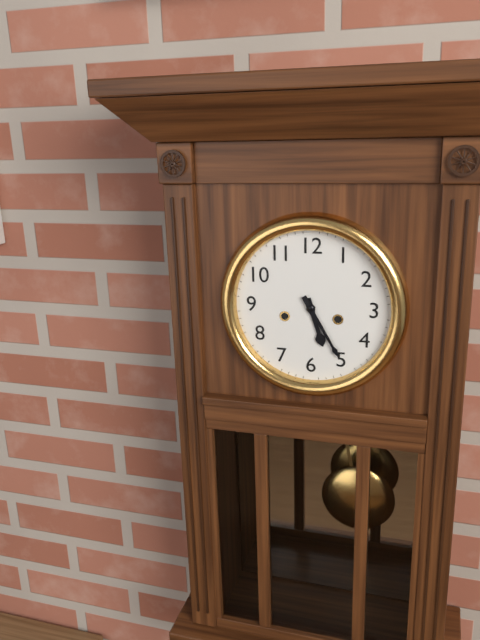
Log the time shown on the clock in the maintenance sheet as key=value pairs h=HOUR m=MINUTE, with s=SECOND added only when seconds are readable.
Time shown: h=5 m=25
